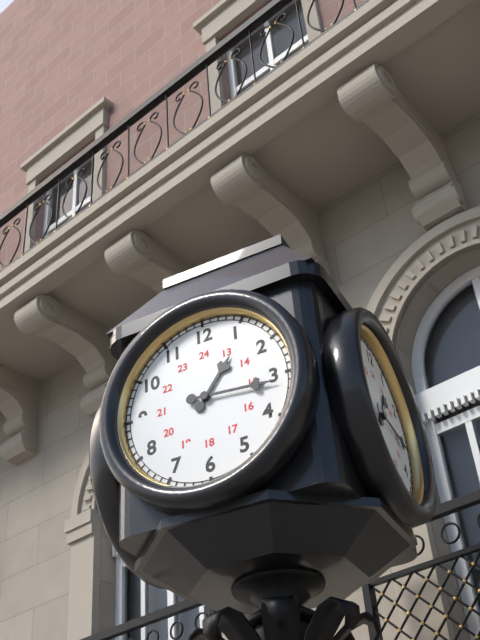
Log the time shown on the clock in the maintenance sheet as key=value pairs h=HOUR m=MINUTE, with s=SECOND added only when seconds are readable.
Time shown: h=1 m=16
